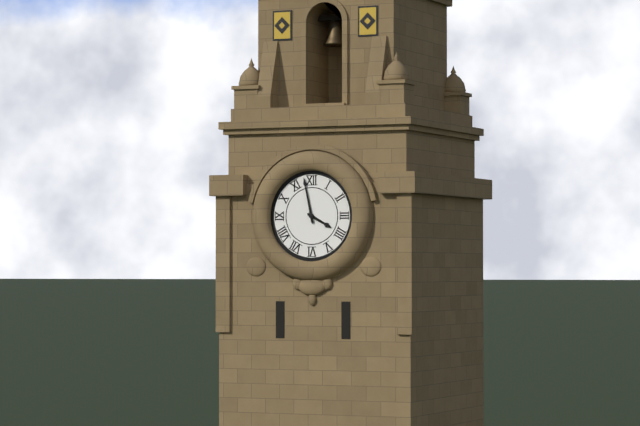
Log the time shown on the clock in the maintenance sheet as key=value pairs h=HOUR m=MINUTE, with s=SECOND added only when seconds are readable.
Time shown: h=3 m=58
